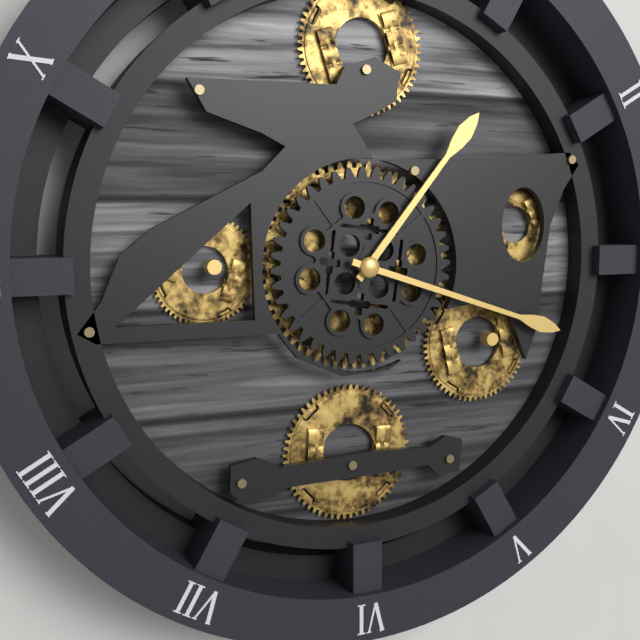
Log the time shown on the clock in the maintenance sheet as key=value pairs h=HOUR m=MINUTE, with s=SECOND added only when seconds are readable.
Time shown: h=1 m=18
